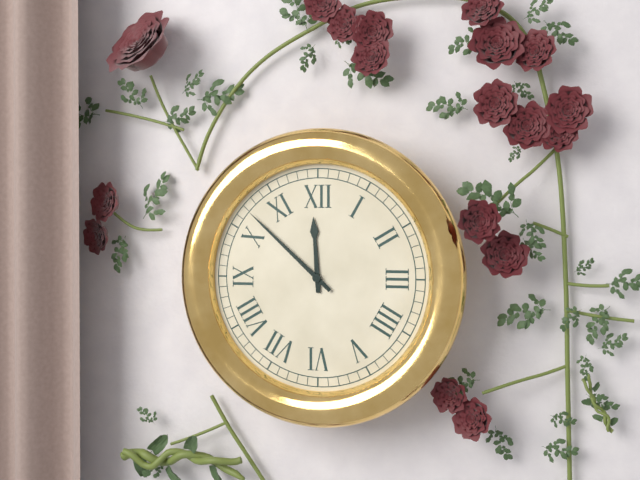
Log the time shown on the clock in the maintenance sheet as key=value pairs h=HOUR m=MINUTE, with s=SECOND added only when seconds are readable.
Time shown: h=11 m=52
